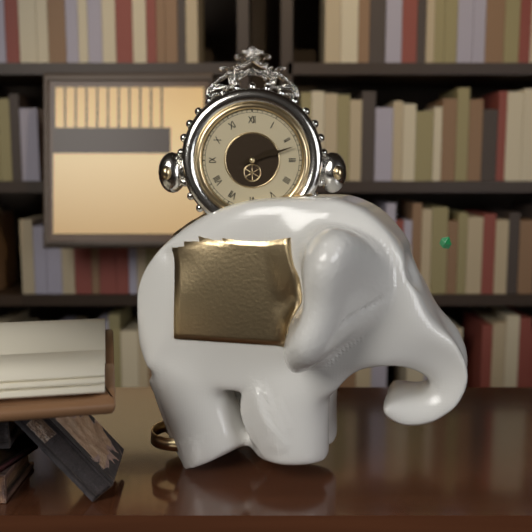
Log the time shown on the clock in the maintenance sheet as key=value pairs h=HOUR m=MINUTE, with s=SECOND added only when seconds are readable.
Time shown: h=2 m=12
